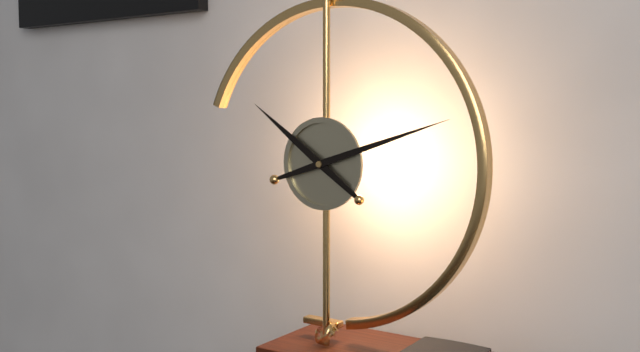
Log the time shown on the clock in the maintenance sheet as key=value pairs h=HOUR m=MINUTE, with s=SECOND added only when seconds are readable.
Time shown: h=10 m=12
